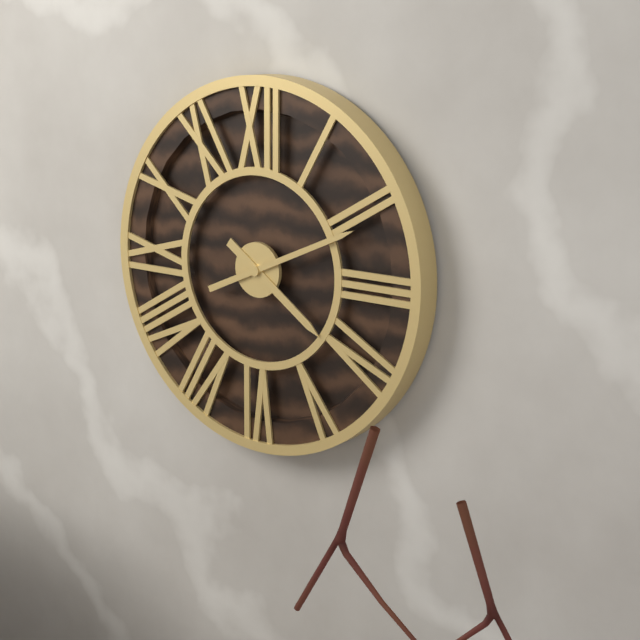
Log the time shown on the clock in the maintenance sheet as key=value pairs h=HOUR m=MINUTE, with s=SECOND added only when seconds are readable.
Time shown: h=4 m=11
